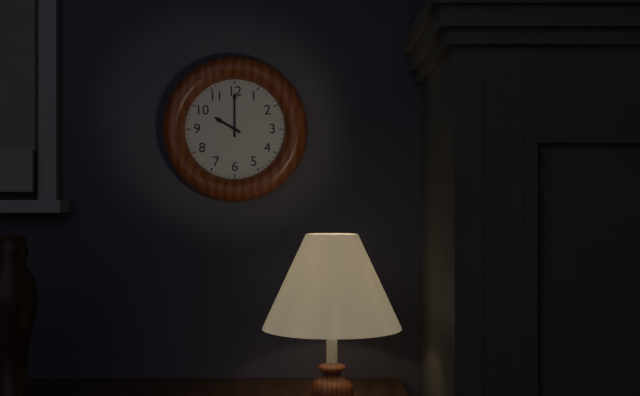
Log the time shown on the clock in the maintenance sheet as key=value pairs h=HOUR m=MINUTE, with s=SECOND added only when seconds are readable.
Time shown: h=10 m=0
